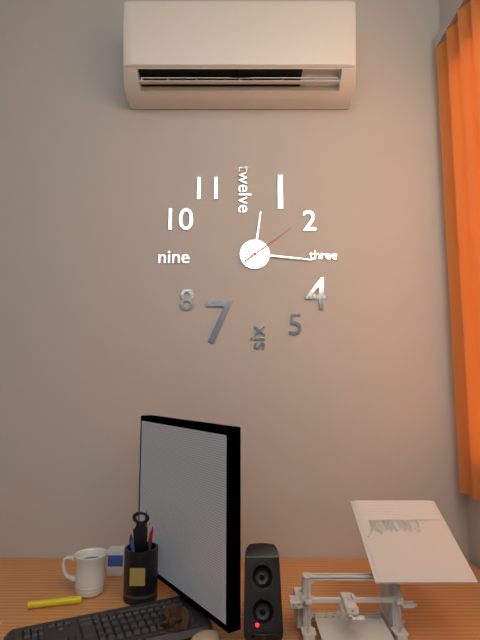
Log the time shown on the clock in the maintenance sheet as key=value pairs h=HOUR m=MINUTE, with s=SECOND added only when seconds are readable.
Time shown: h=12 m=16 s=9
